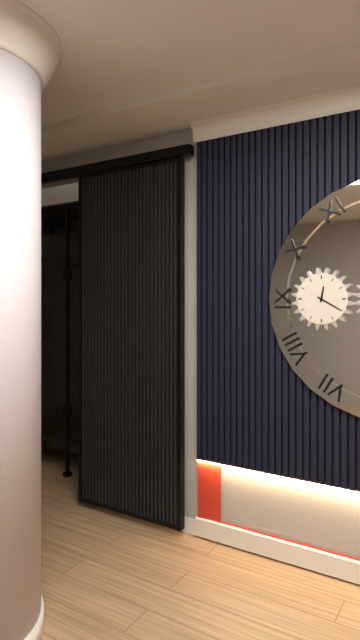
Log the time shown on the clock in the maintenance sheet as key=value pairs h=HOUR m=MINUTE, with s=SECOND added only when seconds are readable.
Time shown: h=12 m=20
